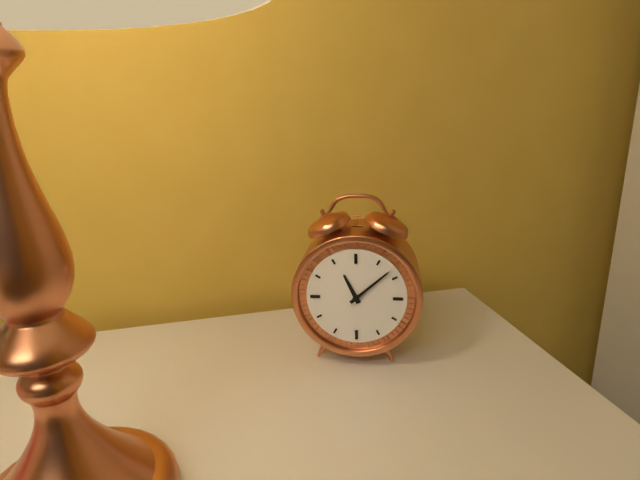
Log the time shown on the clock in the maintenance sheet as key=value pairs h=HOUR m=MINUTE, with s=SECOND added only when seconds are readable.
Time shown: h=11 m=8
